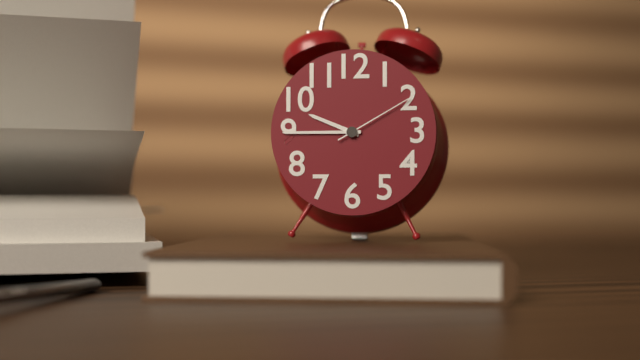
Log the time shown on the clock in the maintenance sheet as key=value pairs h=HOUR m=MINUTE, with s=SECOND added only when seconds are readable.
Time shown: h=9 m=45 s=10
